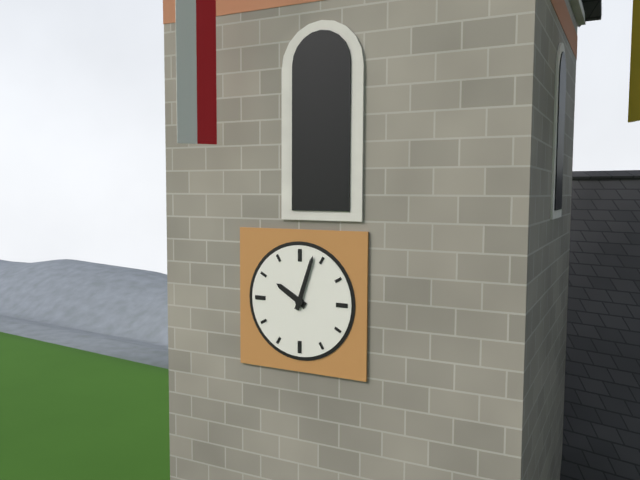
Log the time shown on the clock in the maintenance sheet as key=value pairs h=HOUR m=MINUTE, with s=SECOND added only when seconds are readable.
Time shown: h=10 m=3
